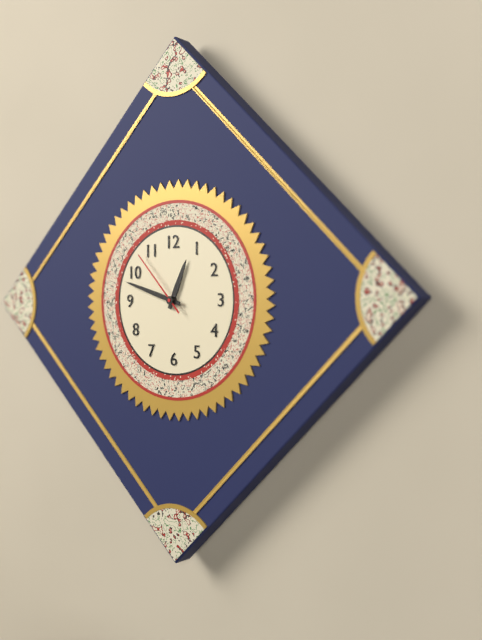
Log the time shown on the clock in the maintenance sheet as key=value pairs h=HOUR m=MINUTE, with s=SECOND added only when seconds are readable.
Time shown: h=12 m=48 s=53
